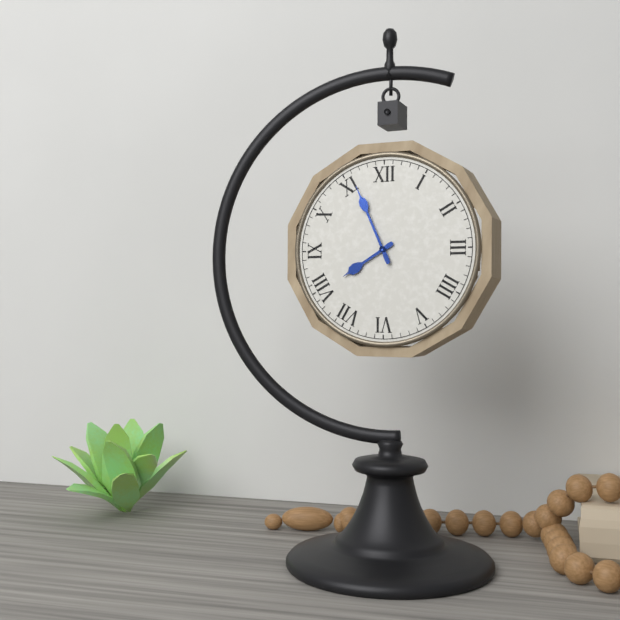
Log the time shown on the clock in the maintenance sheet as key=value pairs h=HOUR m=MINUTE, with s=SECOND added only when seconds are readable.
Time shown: h=7 m=56
